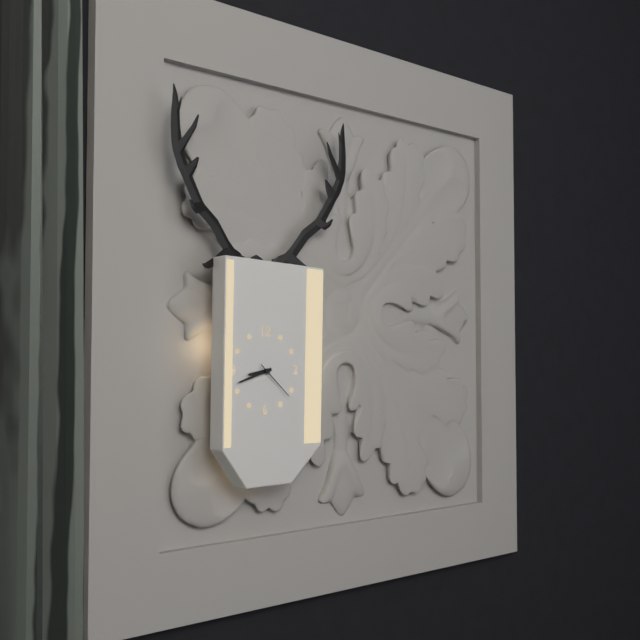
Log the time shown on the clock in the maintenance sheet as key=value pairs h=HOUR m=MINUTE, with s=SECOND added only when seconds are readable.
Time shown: h=8 m=42
